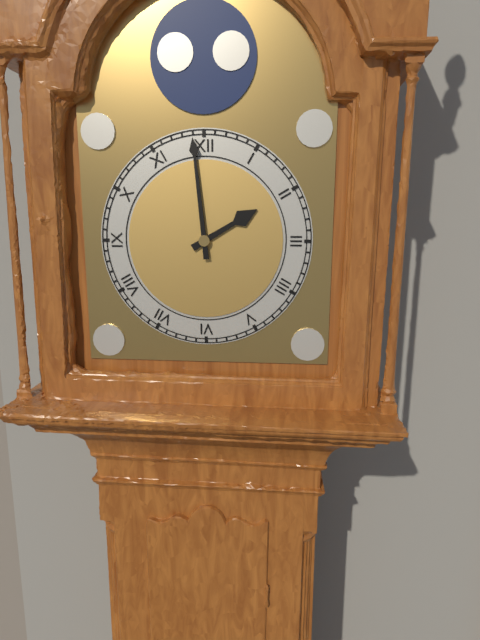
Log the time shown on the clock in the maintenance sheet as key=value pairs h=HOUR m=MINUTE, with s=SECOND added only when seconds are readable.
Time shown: h=1 m=59
